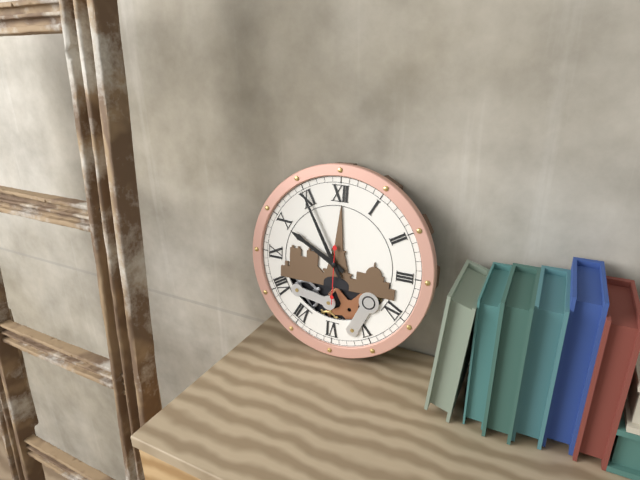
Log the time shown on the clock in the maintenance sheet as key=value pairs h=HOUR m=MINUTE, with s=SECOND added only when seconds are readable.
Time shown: h=9 m=55 s=30
